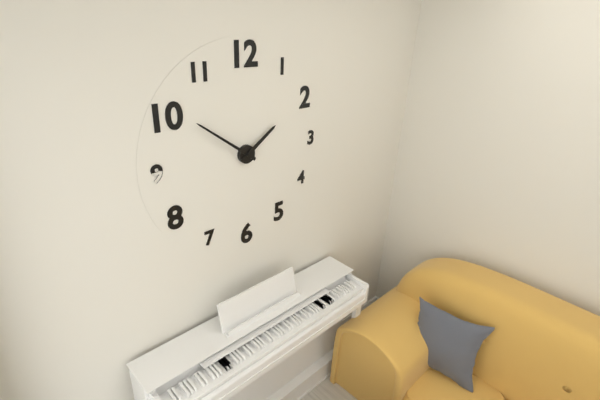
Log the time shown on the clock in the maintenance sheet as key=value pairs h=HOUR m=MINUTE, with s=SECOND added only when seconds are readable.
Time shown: h=1 m=51
